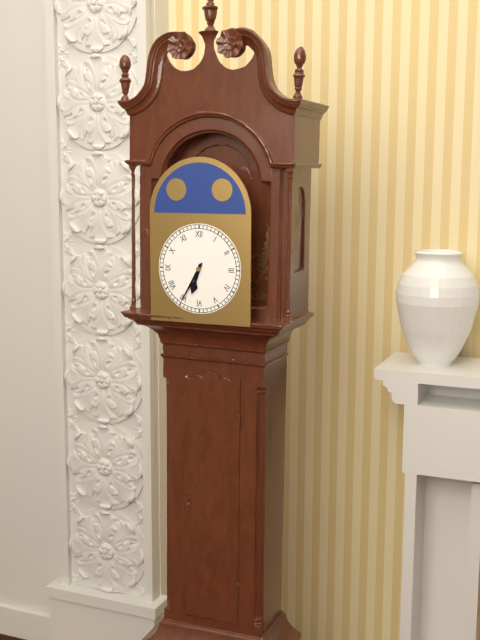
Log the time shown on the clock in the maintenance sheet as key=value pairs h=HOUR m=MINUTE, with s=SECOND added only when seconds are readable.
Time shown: h=6 m=35
